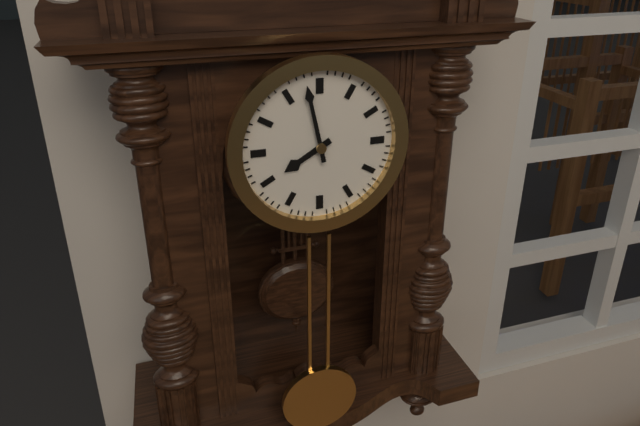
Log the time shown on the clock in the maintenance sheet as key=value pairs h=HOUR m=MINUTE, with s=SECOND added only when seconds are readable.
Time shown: h=7 m=58
